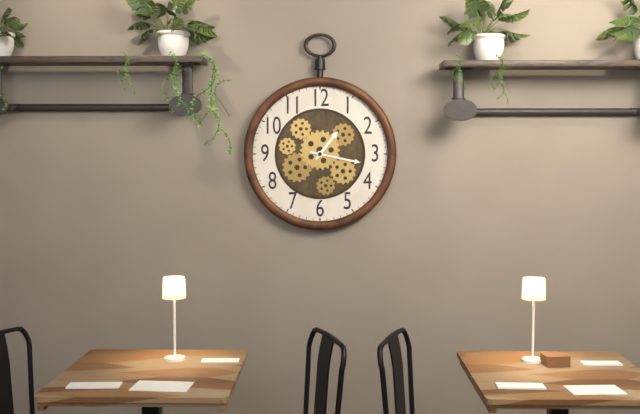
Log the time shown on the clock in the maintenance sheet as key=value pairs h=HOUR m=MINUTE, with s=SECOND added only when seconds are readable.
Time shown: h=1 m=17
